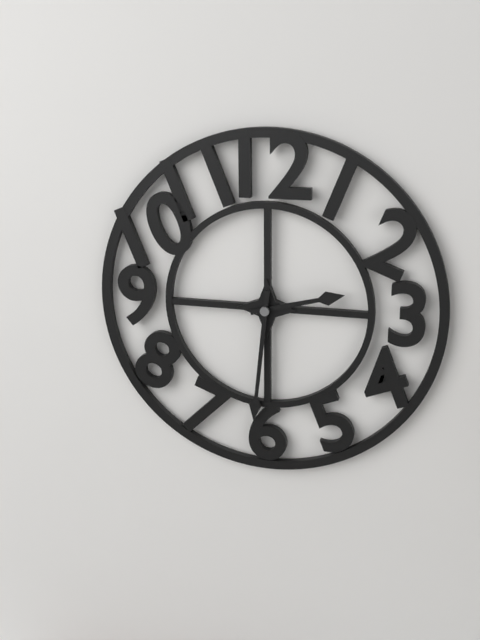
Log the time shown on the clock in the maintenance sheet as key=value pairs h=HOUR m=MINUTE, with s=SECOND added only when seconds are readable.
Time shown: h=2 m=31
